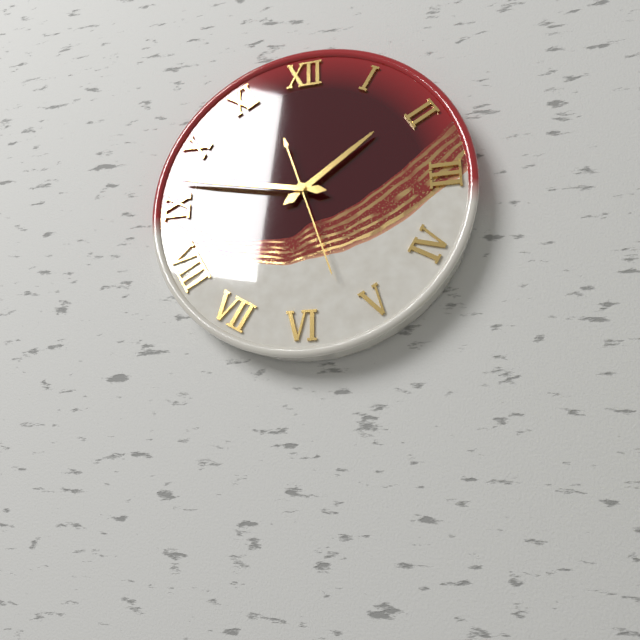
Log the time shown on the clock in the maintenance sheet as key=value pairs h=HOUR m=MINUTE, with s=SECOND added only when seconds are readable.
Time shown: h=1 m=47 s=27
